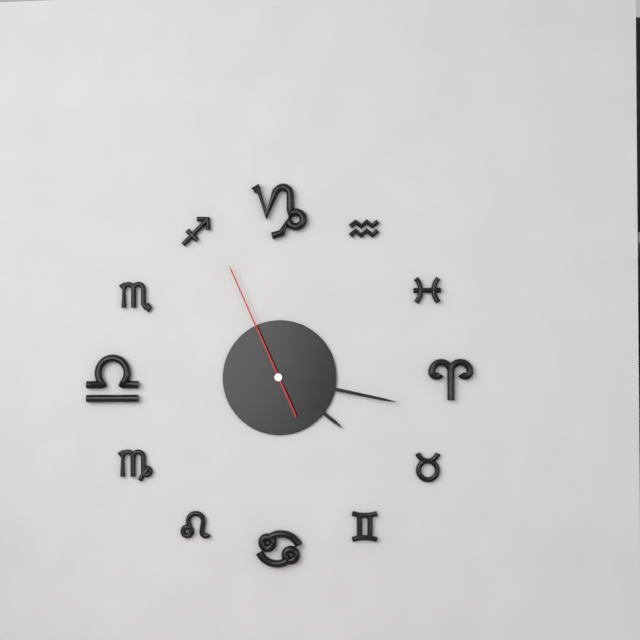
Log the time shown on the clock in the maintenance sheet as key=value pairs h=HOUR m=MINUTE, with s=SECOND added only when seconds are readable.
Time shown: h=4 m=17 s=56
